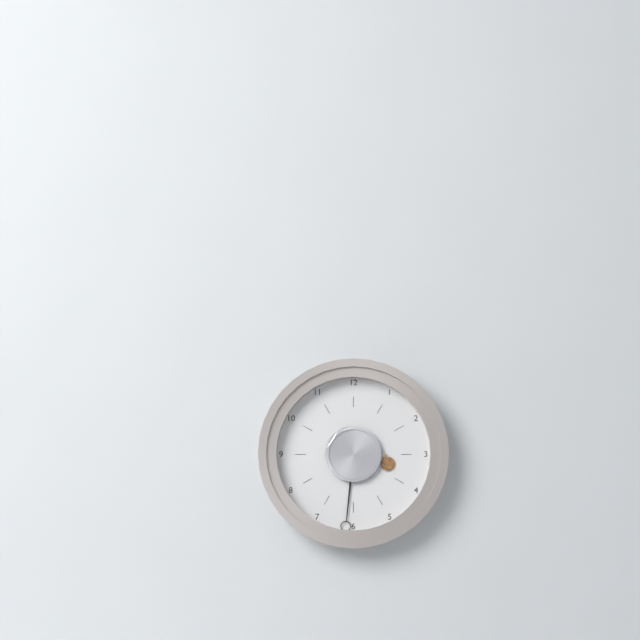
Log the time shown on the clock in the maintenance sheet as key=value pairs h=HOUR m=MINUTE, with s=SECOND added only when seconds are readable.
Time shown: h=3 m=31
